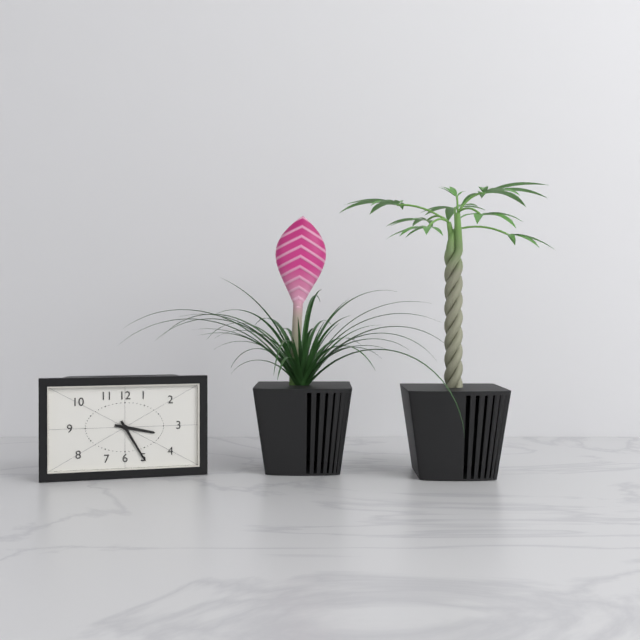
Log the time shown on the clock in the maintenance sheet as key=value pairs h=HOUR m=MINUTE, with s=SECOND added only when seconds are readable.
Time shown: h=3 m=25
